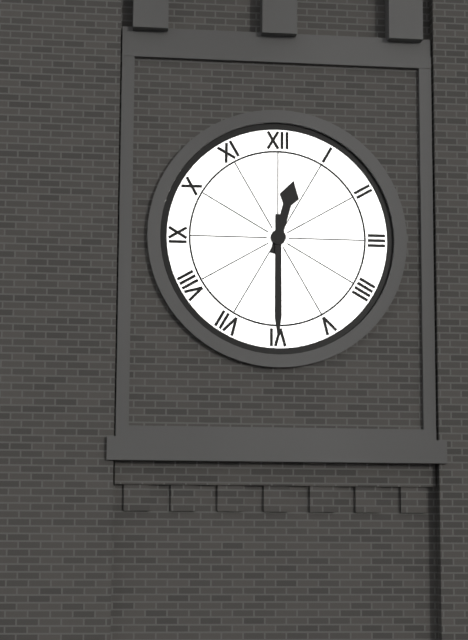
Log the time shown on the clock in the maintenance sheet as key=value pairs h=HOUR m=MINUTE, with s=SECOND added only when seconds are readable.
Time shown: h=12 m=30
